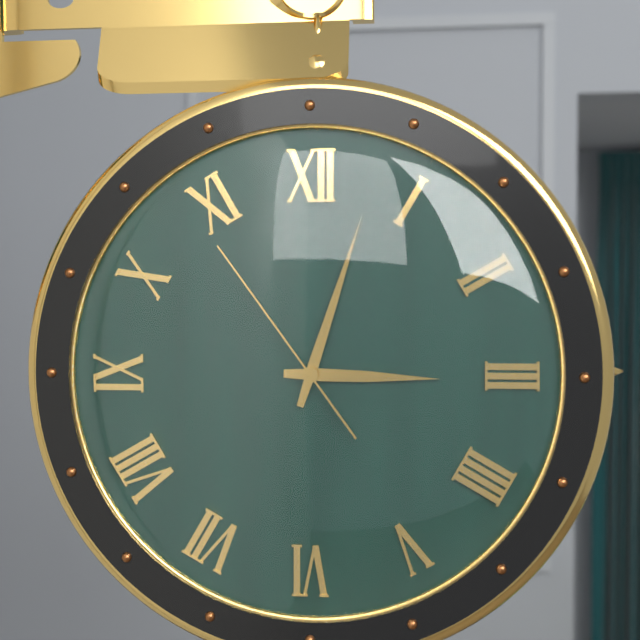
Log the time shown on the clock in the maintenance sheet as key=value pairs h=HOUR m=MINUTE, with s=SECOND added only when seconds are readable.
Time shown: h=3 m=3 s=54
